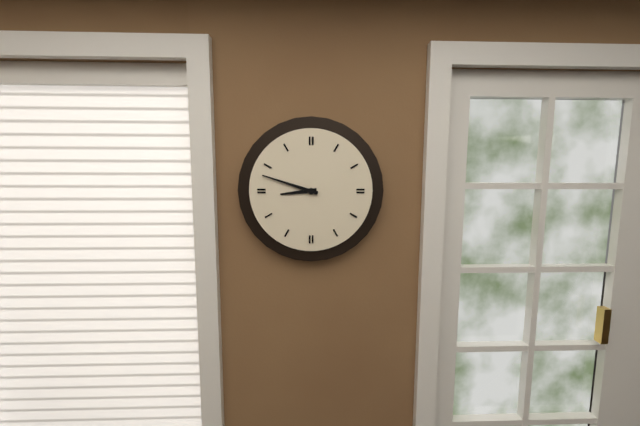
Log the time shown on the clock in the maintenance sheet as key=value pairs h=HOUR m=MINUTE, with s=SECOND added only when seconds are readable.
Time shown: h=8 m=48
